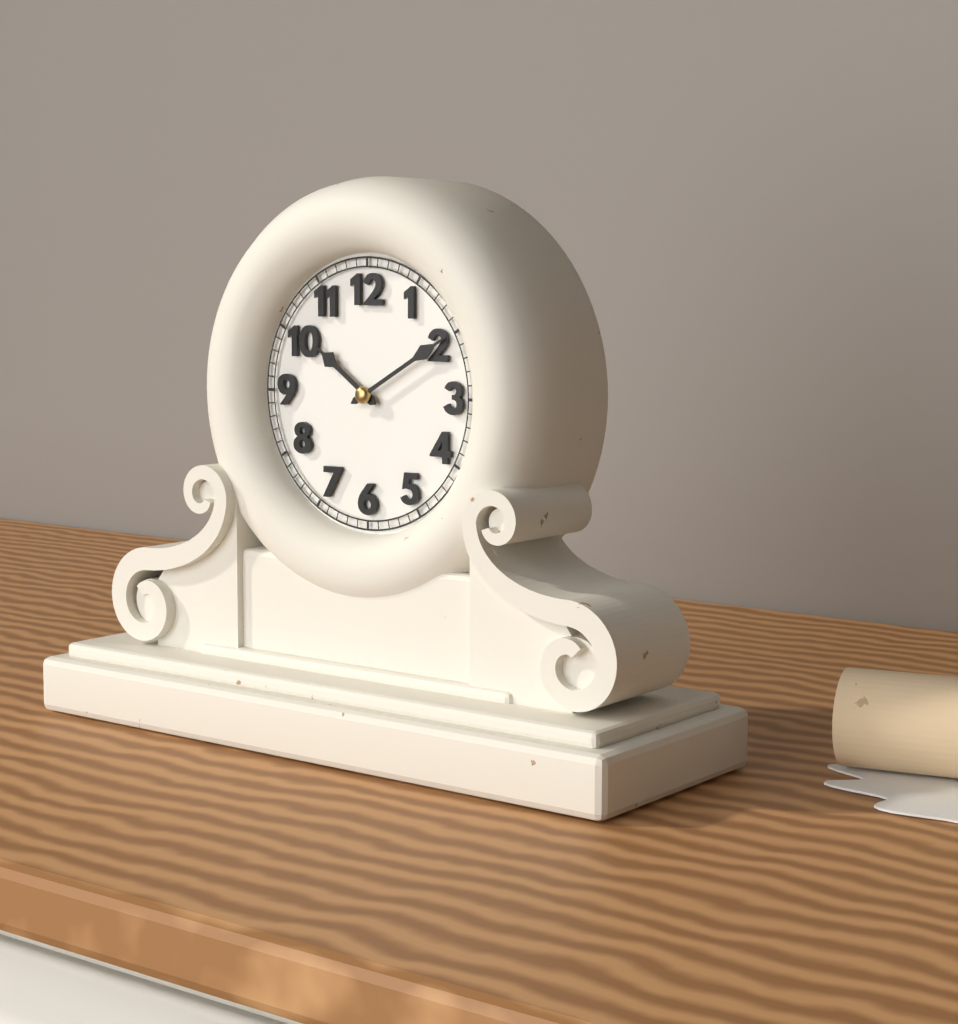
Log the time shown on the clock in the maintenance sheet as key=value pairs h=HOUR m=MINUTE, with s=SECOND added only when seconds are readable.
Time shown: h=10 m=10
